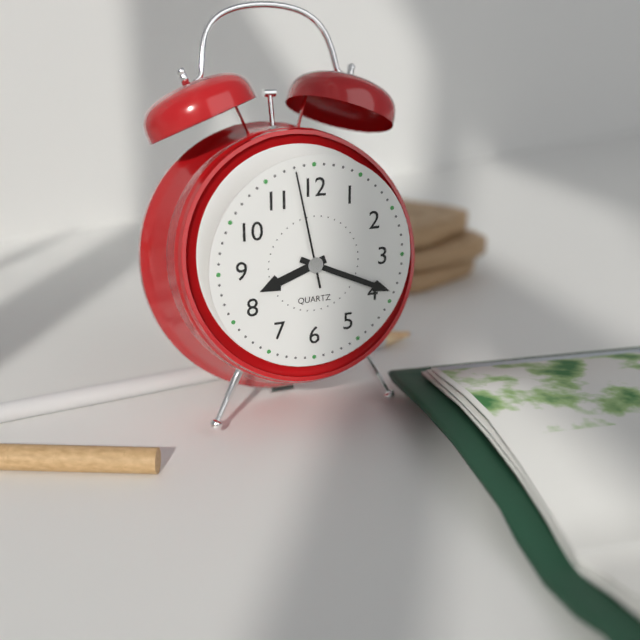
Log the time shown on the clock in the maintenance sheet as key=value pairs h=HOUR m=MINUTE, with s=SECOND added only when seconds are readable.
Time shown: h=8 m=19 s=58
